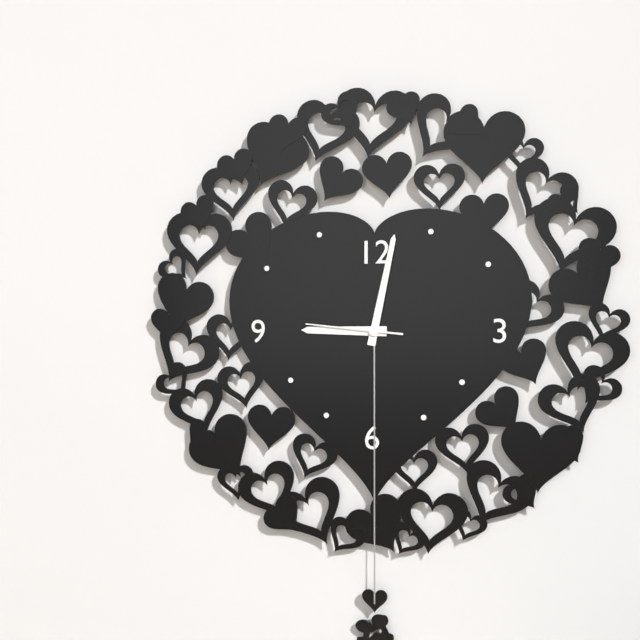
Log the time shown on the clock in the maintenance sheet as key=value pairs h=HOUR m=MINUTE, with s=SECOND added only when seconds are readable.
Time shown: h=9 m=2 s=46
